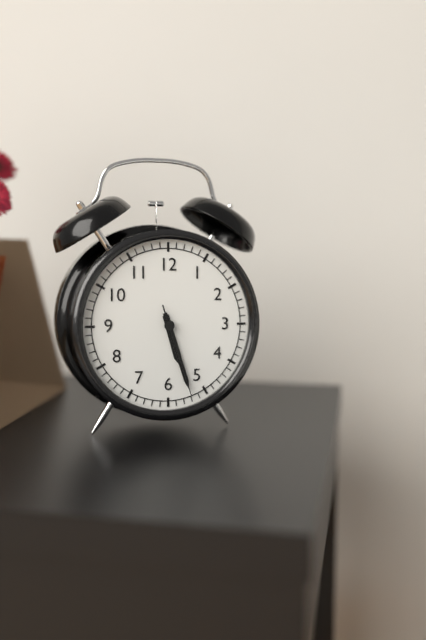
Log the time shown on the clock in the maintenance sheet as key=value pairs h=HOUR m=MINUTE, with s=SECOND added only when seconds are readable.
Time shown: h=5 m=27 s=27
